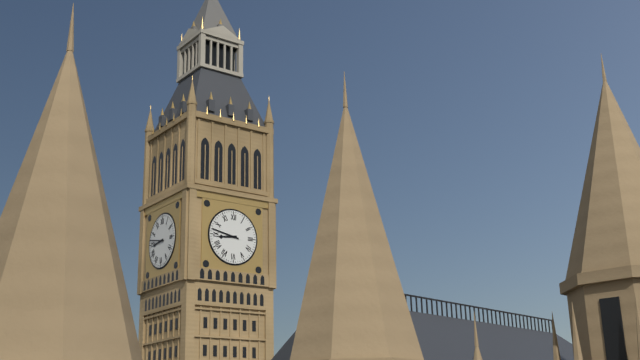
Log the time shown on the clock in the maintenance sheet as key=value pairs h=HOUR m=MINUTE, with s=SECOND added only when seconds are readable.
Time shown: h=8 m=47
